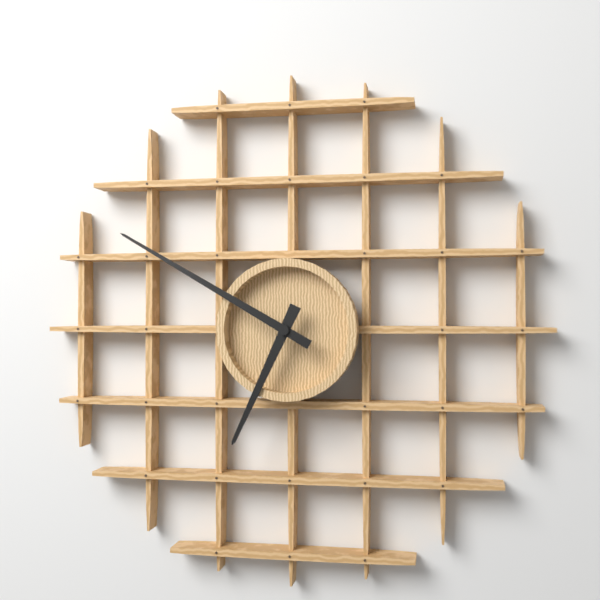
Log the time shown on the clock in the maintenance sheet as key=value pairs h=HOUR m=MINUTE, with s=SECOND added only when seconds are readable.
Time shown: h=6 m=50
